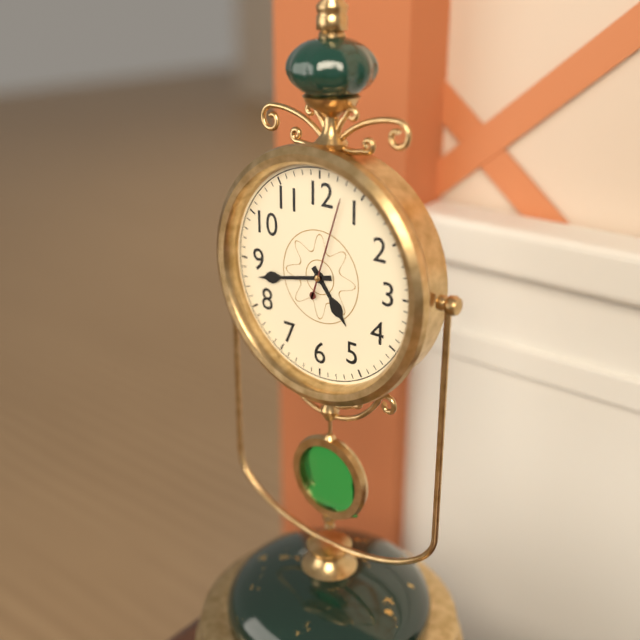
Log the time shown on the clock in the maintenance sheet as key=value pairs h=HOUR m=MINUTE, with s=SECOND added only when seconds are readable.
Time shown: h=4 m=43 s=3
